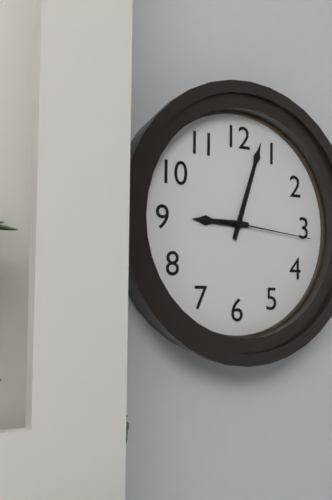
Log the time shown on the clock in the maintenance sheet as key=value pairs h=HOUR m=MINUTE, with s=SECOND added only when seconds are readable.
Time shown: h=9 m=3 s=16
